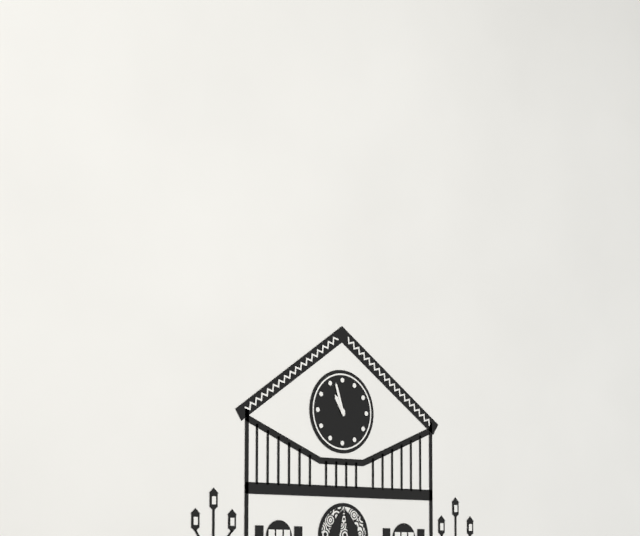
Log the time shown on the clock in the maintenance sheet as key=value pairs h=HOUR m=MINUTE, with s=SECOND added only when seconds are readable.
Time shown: h=10 m=57
